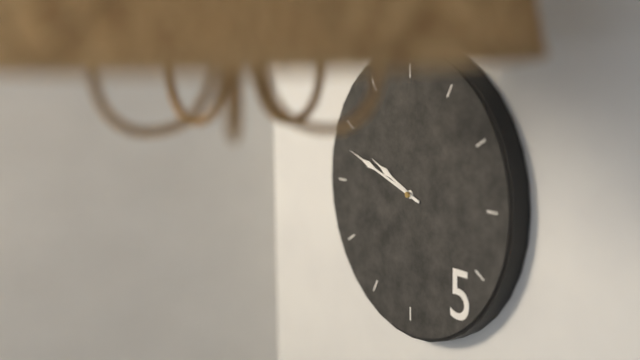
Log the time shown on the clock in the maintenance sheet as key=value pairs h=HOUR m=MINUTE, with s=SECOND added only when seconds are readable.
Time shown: h=9 m=48
